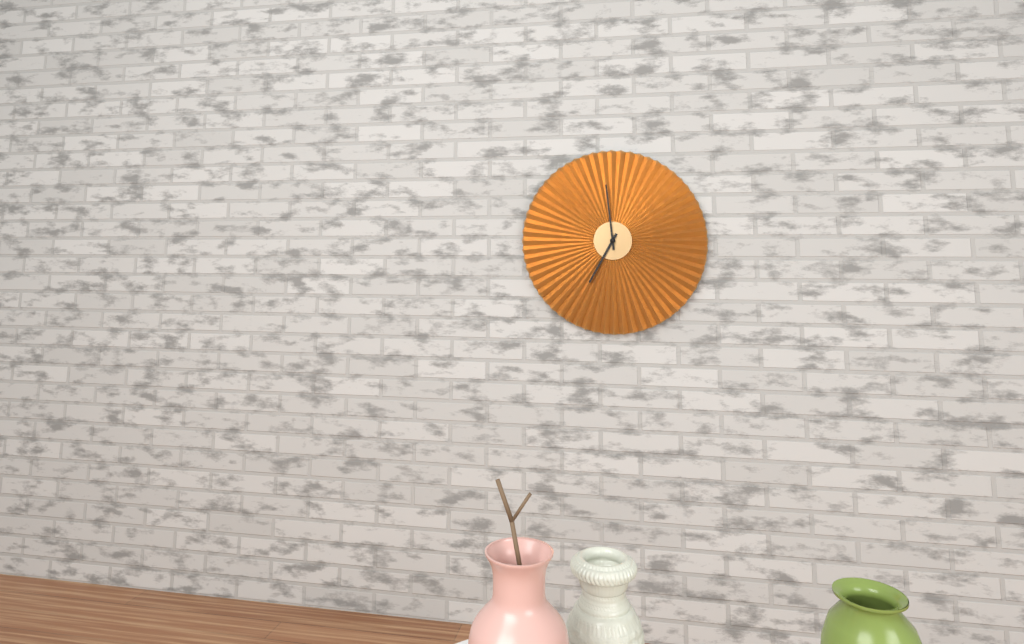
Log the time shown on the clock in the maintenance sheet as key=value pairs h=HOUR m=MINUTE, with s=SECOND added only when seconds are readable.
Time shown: h=6 m=59
